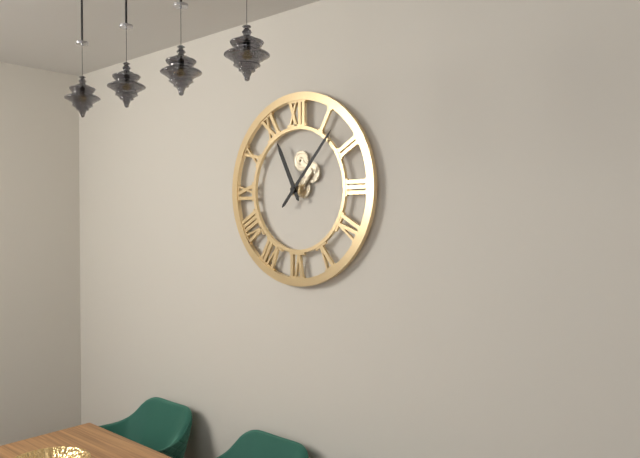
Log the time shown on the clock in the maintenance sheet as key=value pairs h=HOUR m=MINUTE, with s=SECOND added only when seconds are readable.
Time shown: h=11 m=7
